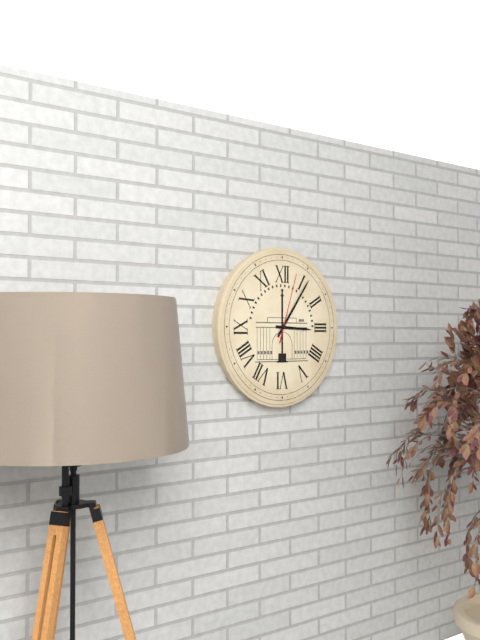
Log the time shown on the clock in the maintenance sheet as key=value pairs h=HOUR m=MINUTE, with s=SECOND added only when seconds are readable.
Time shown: h=3 m=6 s=3
